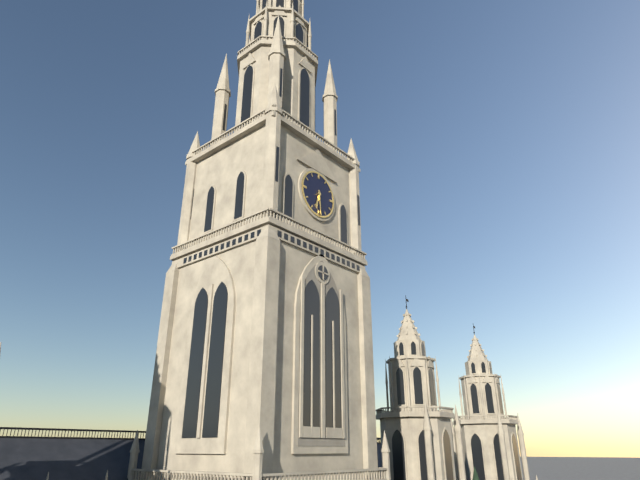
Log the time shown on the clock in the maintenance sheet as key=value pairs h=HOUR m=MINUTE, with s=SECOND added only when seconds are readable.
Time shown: h=6 m=29
